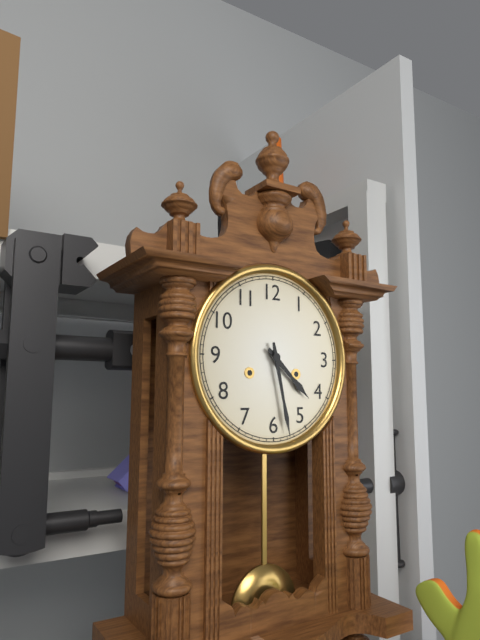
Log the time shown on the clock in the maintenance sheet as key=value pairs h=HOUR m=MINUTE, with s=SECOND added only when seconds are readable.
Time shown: h=4 m=28
